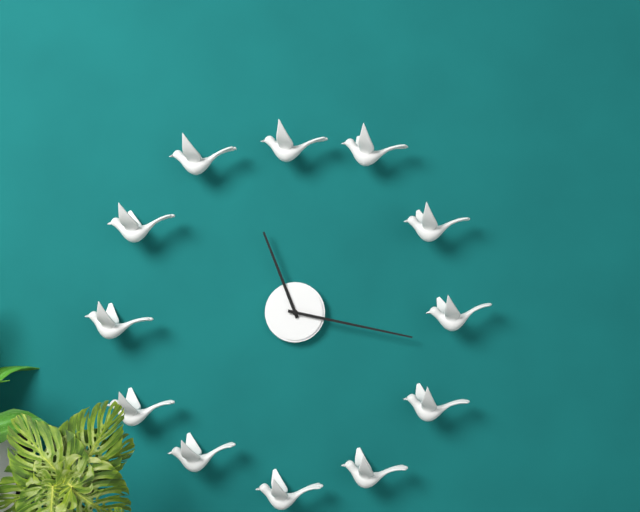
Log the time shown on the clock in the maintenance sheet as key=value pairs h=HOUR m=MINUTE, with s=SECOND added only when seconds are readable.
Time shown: h=11 m=17
